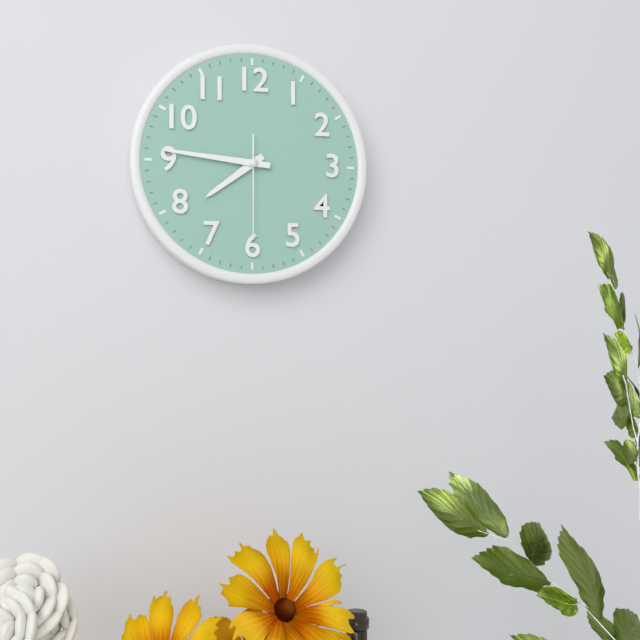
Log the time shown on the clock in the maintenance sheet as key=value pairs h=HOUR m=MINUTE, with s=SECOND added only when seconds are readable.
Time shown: h=7 m=46 s=30
